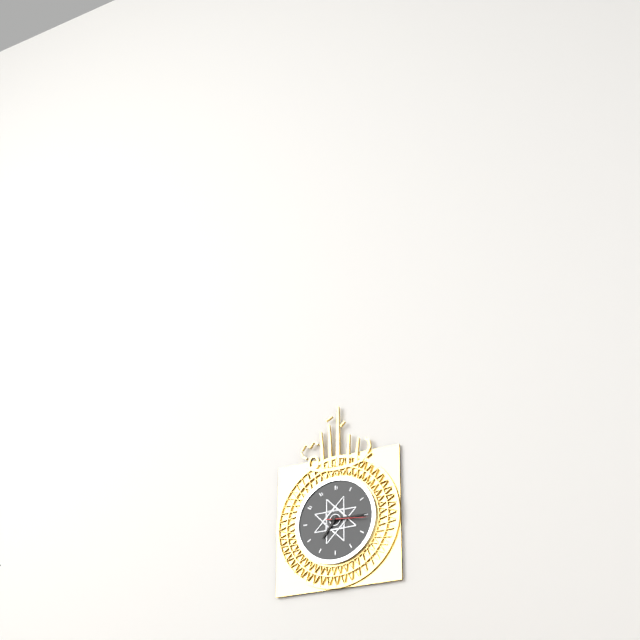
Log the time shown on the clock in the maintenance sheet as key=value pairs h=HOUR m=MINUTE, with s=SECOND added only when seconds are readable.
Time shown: h=7 m=15
